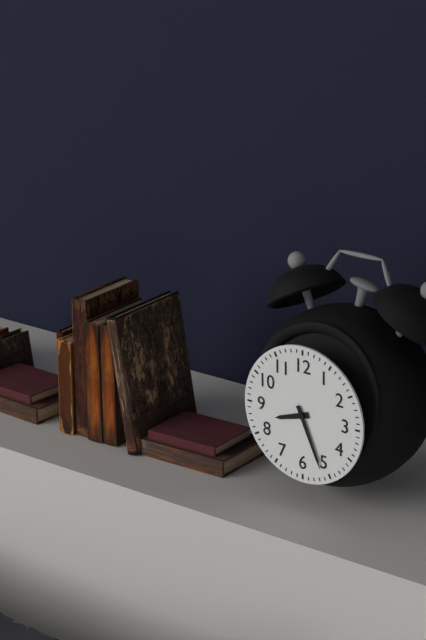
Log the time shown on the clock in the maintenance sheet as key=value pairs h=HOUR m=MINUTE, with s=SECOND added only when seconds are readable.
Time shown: h=8 m=26
